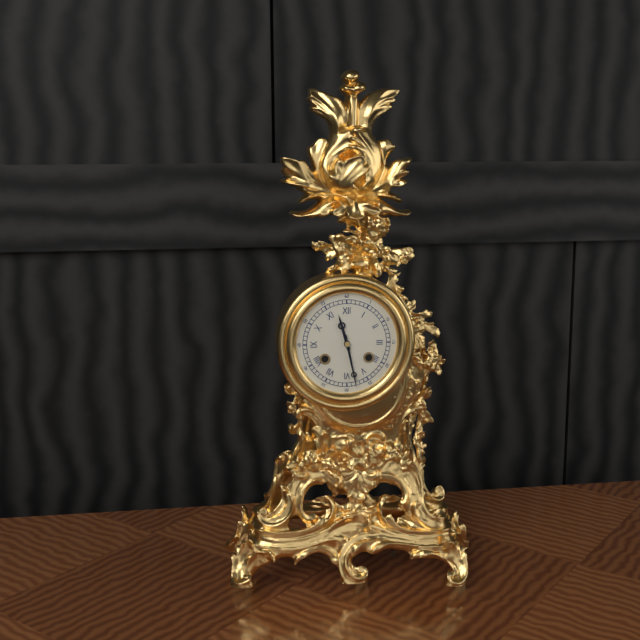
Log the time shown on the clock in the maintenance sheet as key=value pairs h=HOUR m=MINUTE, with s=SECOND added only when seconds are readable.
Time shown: h=11 m=28
